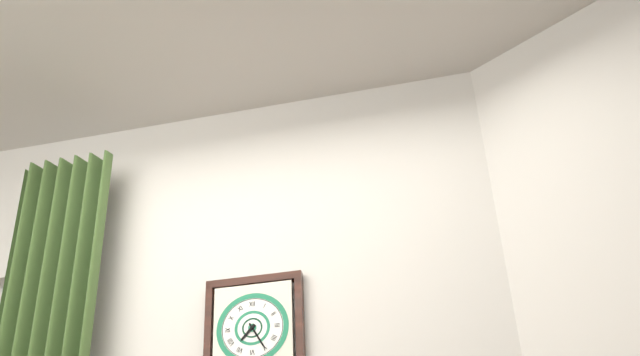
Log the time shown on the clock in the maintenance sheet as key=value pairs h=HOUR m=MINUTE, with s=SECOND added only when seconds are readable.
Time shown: h=7 m=25
